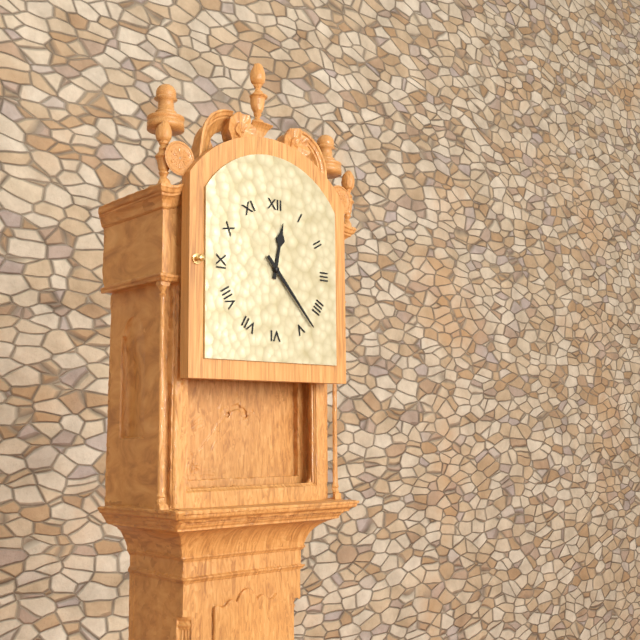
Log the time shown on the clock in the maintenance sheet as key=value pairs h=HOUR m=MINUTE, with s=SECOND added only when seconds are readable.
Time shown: h=12 m=23
